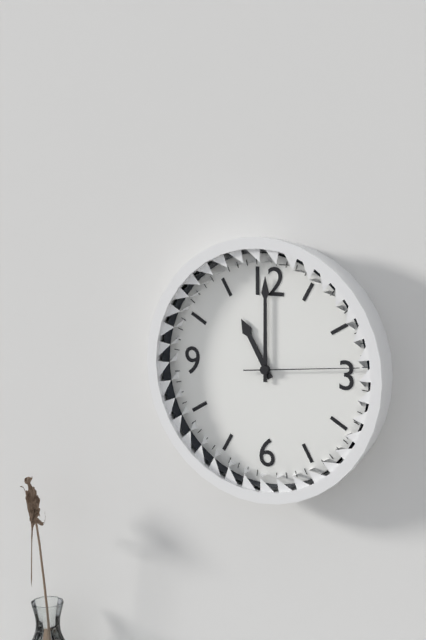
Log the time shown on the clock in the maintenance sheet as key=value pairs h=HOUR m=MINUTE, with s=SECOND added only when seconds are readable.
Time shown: h=11 m=0 s=14
